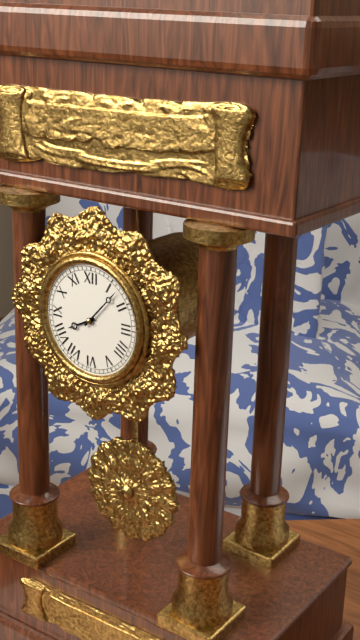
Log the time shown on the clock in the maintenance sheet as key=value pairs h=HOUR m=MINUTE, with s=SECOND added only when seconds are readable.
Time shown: h=8 m=7
